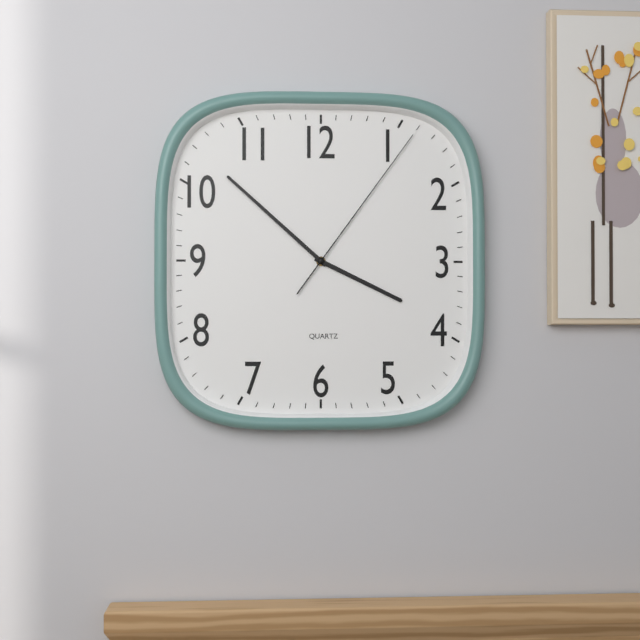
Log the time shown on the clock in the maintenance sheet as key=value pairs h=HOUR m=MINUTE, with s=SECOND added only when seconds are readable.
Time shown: h=3 m=52 s=6
